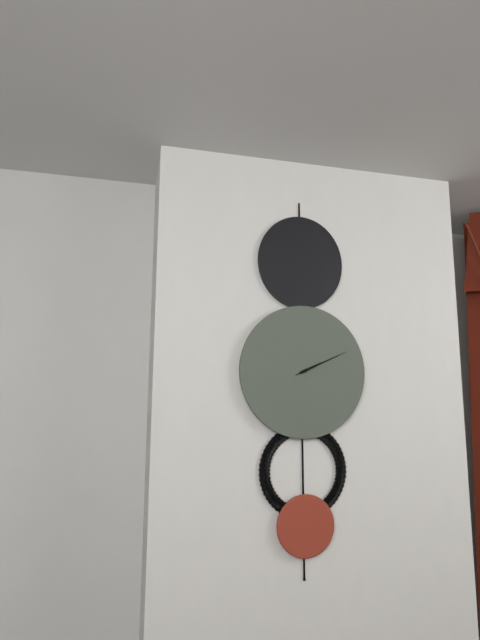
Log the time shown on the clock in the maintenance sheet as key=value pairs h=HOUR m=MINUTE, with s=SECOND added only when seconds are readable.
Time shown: h=2 m=11 s=11
